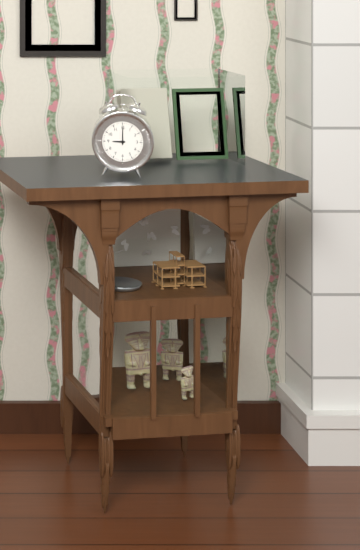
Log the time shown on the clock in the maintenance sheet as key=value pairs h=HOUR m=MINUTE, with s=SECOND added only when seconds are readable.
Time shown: h=9 m=0
